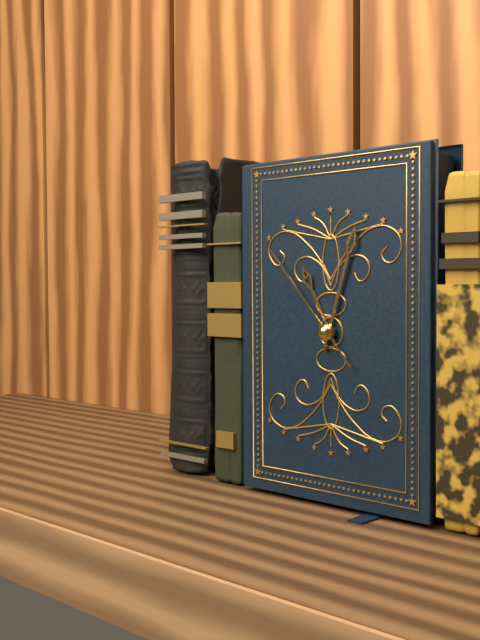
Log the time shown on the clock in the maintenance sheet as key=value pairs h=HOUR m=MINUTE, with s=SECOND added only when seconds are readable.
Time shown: h=11 m=3 s=53
